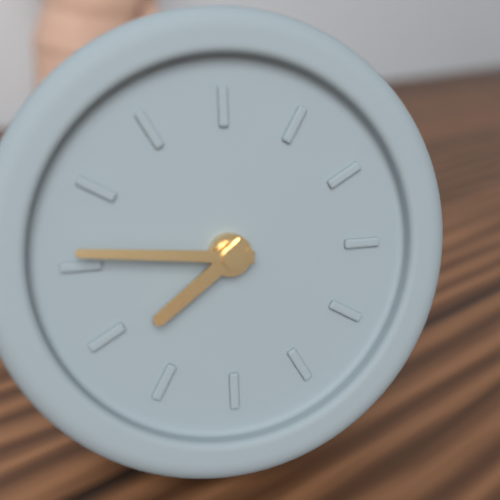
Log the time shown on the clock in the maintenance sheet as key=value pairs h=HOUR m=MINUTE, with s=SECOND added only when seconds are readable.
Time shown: h=7 m=46
